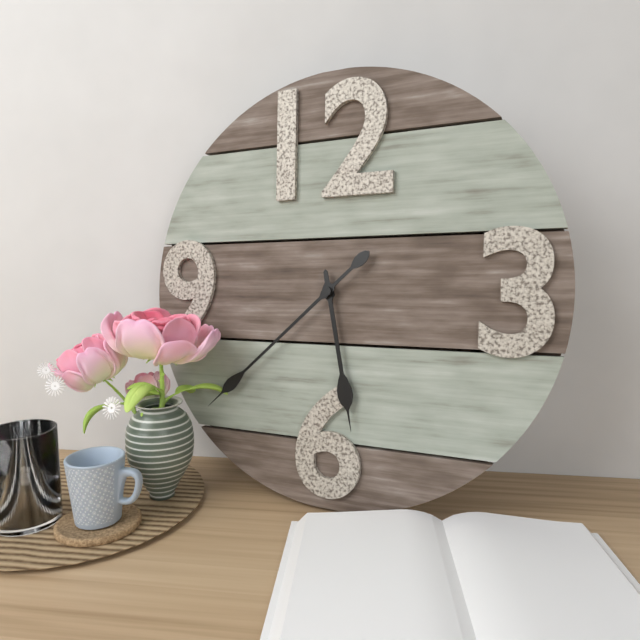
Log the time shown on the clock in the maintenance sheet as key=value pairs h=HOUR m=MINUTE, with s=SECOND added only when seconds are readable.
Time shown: h=5 m=38
